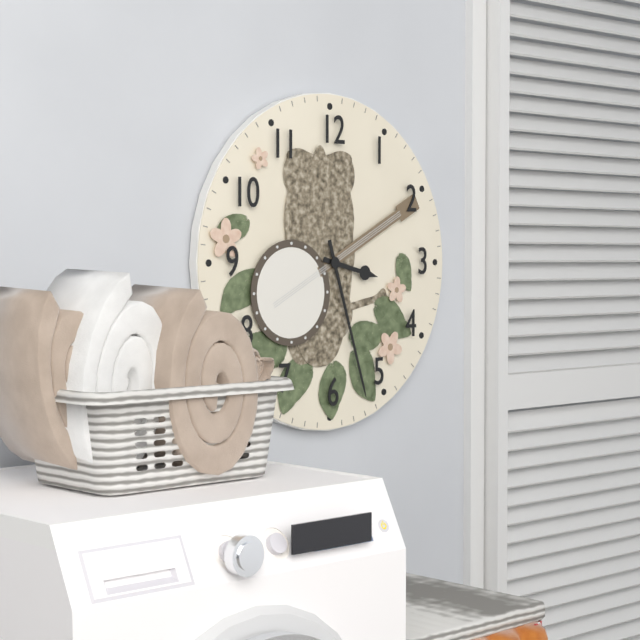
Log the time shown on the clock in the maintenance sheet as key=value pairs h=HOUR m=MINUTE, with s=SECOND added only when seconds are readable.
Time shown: h=3 m=27
